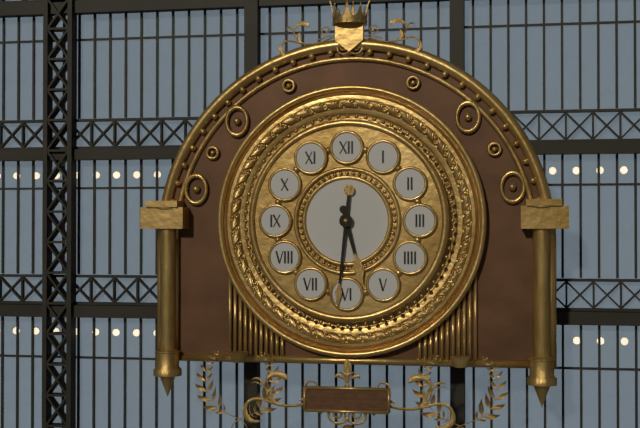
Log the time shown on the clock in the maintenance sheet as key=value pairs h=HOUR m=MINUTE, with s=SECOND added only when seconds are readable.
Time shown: h=5 m=31
